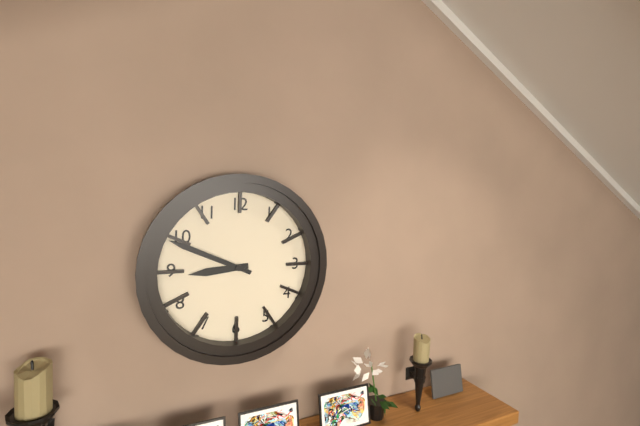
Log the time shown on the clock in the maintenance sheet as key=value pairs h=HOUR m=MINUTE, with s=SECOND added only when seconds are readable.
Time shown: h=8 m=49
